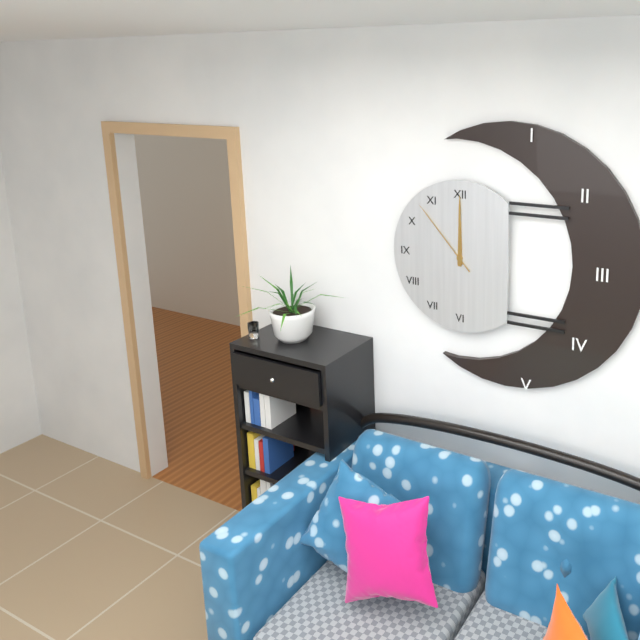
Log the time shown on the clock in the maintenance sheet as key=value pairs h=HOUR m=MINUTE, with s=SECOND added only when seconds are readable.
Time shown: h=12 m=0 s=53
